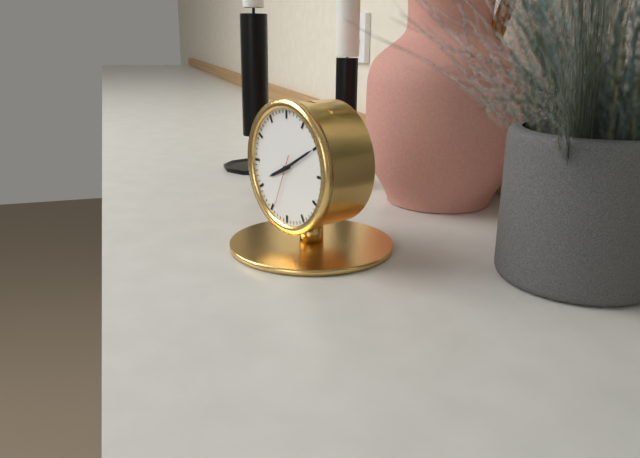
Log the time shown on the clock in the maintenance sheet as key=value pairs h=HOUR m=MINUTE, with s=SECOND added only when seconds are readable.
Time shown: h=8 m=10 s=34
